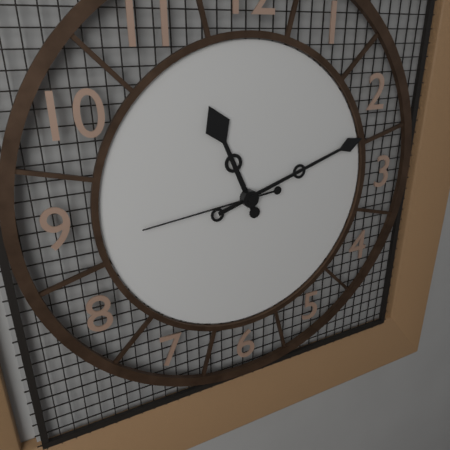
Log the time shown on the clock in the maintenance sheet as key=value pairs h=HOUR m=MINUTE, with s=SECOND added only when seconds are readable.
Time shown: h=11 m=12 s=44
